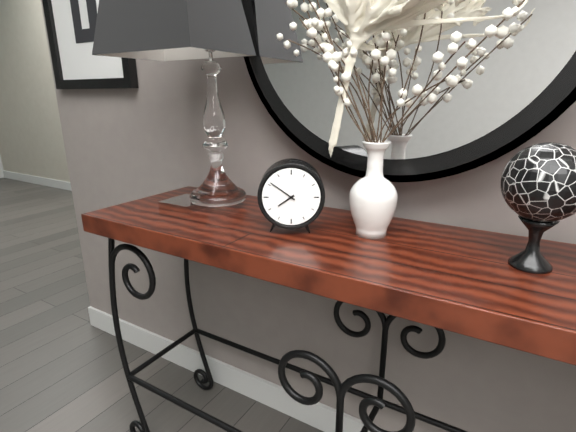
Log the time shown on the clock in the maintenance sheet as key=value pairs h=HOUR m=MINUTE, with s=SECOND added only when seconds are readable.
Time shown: h=7 m=51
